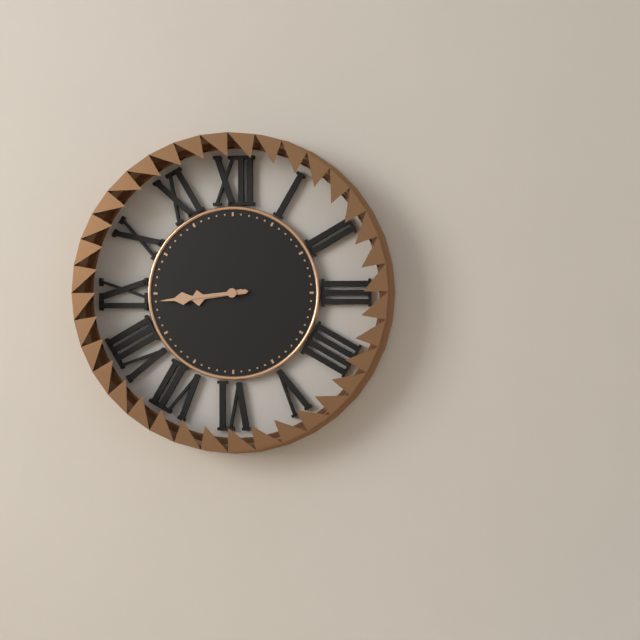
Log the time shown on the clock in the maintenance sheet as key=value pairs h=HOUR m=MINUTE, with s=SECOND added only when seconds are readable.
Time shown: h=8 m=44
